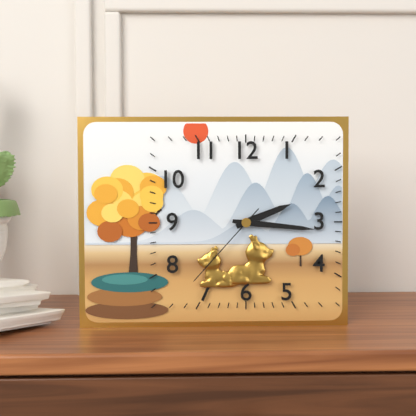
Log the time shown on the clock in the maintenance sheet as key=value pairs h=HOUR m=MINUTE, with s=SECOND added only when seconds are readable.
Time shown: h=2 m=16 s=37
